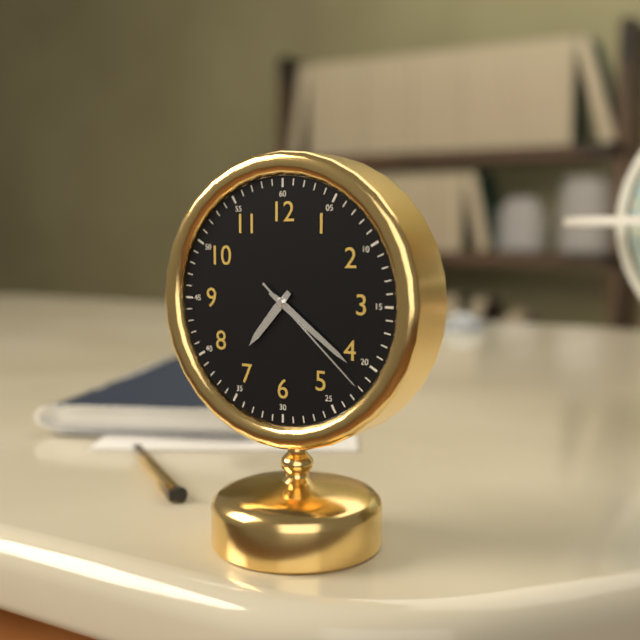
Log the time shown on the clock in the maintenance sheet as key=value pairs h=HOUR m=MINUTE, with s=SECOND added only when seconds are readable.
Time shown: h=7 m=21 s=22
